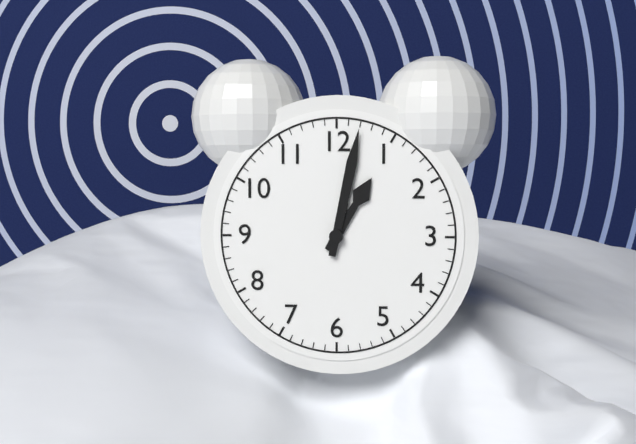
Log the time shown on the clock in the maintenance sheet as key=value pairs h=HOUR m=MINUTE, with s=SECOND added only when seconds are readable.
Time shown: h=1 m=2
